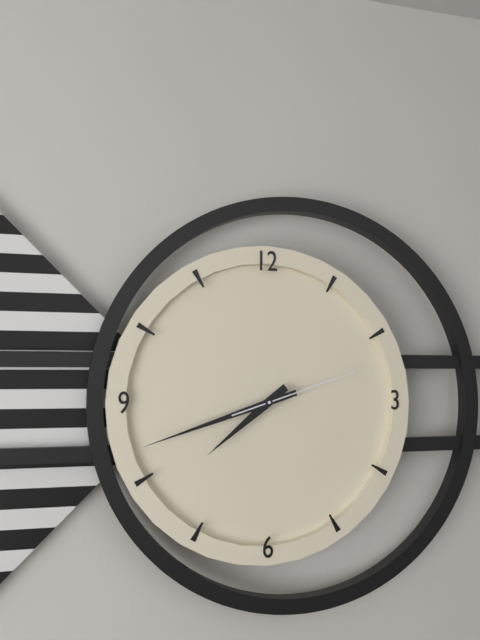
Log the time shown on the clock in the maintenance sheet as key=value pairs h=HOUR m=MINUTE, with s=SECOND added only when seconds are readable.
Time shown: h=7 m=42 s=12
